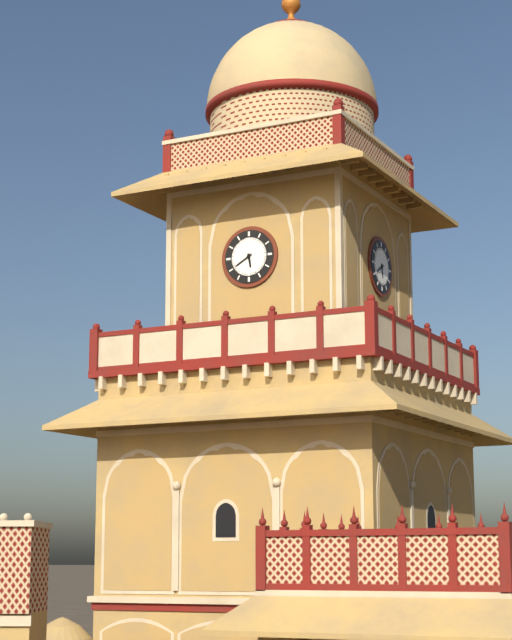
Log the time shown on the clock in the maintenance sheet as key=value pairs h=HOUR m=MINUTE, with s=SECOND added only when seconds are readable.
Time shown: h=5 m=40
